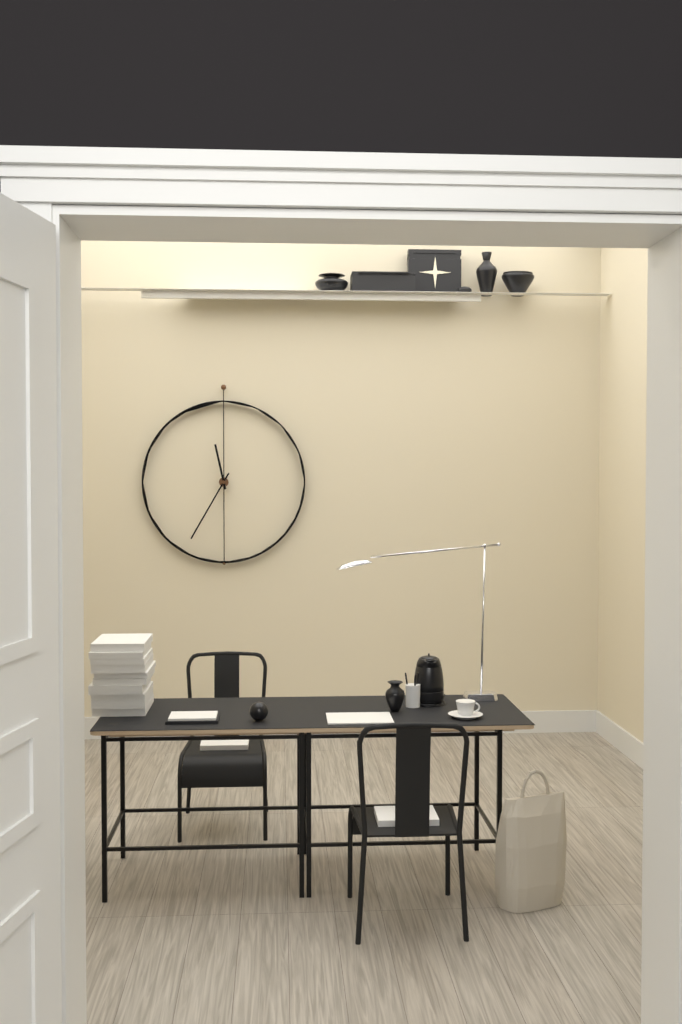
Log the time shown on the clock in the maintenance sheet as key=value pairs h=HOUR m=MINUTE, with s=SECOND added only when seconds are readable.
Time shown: h=11 m=35
